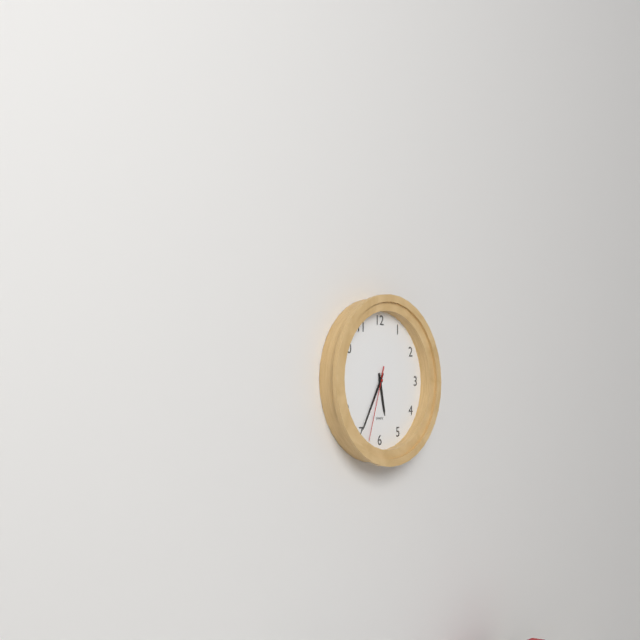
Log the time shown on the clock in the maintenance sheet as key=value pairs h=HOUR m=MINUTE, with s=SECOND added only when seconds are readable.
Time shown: h=5 m=35 s=33
